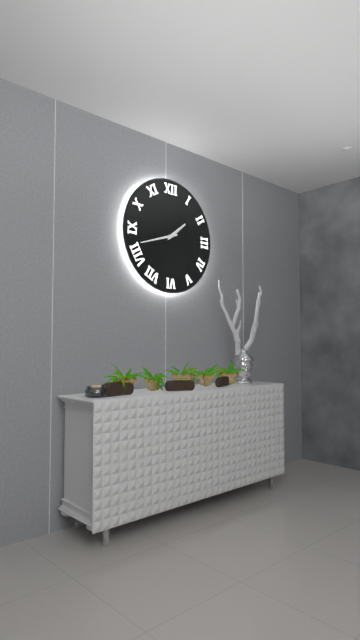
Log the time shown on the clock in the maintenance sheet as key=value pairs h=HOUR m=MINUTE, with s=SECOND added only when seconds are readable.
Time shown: h=1 m=42
